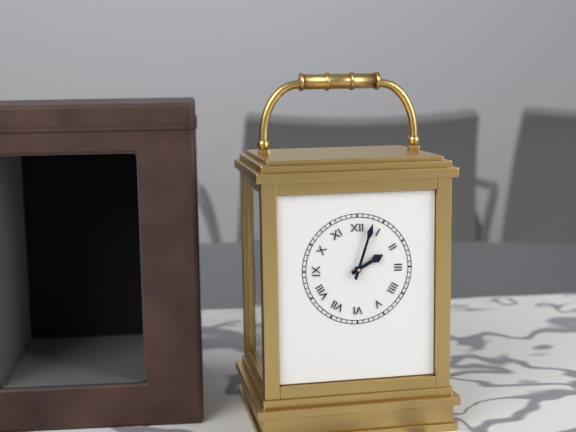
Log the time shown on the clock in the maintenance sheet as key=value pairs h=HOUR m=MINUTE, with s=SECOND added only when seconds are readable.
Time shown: h=2 m=3
